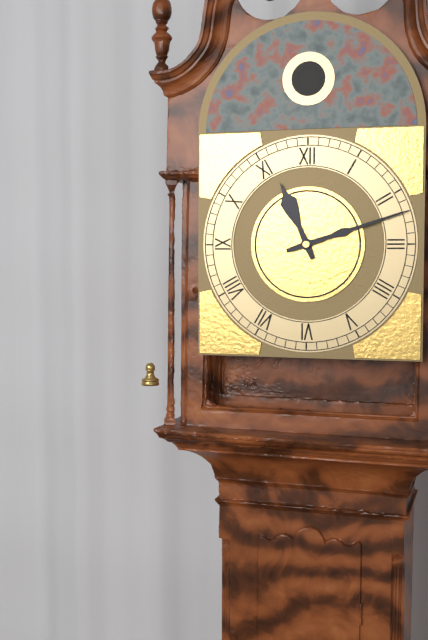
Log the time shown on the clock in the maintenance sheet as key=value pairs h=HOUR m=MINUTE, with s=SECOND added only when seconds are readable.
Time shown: h=11 m=12
